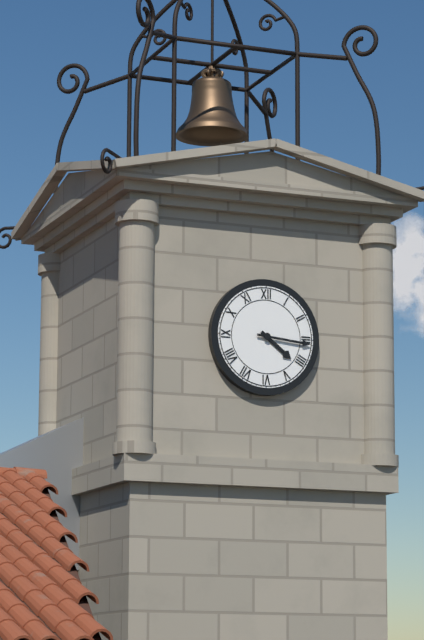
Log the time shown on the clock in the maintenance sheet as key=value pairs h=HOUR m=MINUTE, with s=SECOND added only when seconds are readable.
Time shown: h=4 m=16
